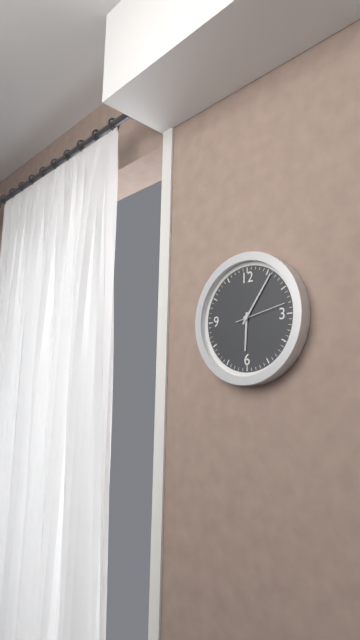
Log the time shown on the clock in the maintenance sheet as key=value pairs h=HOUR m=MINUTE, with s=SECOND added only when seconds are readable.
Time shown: h=6 m=6 s=13
